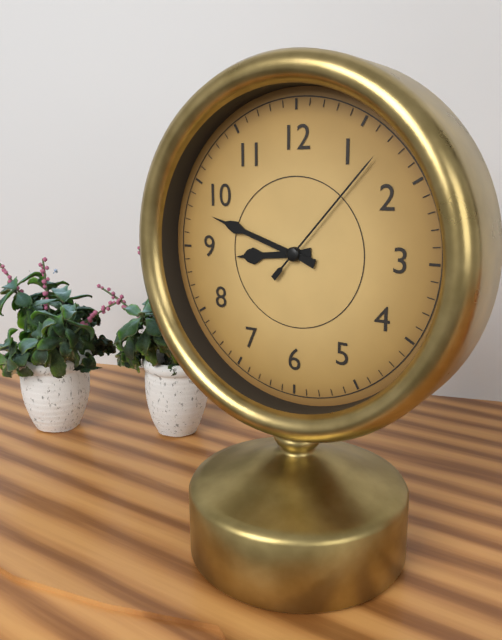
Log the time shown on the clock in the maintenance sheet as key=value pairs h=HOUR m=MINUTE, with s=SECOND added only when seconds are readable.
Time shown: h=8 m=48 s=7
